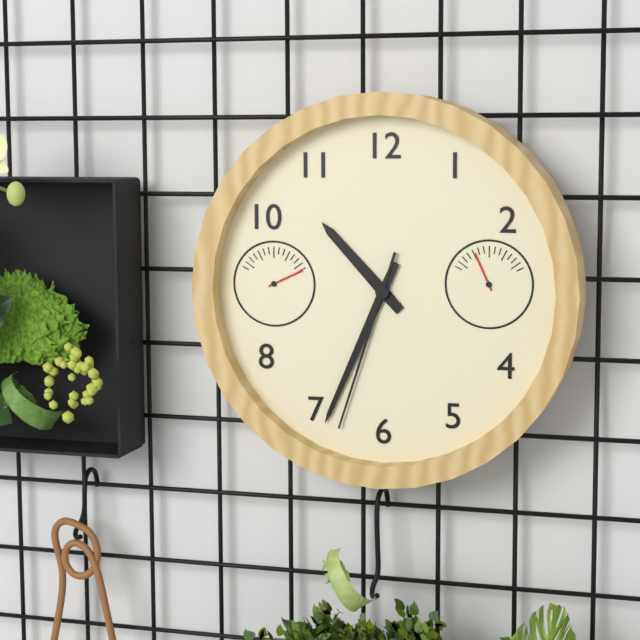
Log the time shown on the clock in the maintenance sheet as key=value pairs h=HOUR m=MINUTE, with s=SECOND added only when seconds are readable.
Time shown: h=10 m=34 s=33
